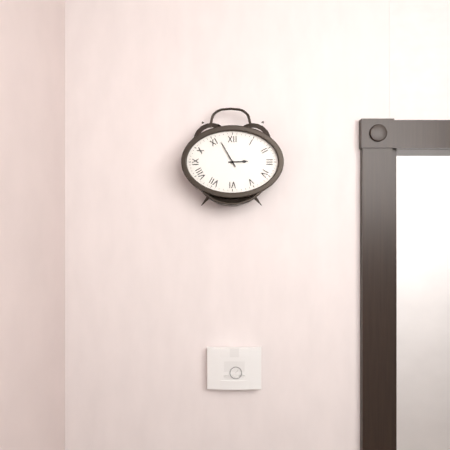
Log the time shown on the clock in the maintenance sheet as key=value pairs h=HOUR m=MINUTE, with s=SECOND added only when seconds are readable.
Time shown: h=2 m=55
